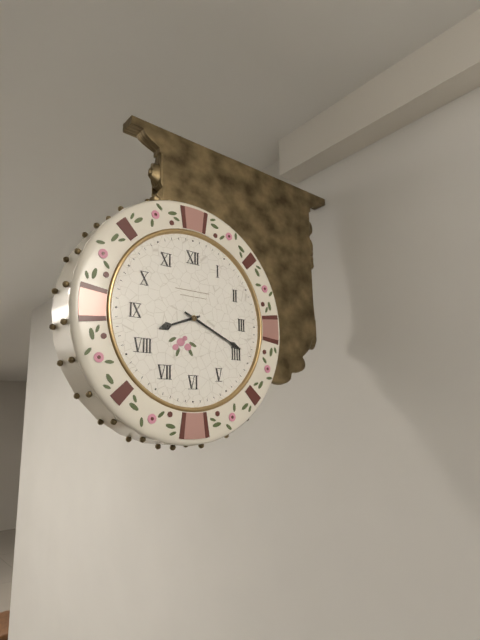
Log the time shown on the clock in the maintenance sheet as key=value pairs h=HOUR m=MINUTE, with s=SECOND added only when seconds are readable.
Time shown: h=8 m=19
